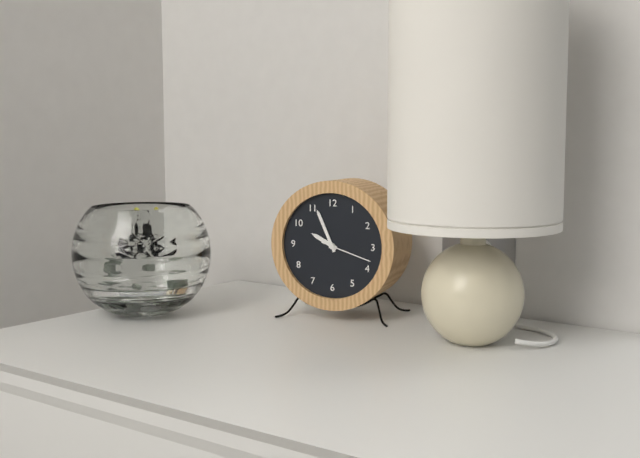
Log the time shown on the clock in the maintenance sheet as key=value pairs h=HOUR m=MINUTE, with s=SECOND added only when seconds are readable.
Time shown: h=9 m=56 s=18
